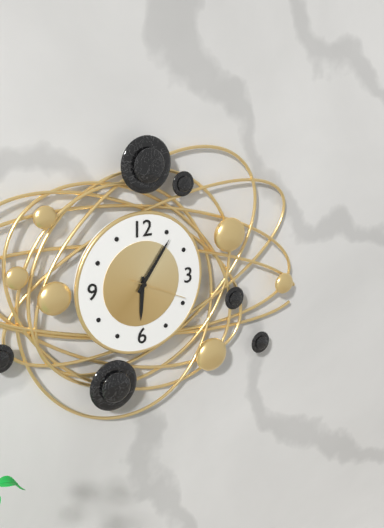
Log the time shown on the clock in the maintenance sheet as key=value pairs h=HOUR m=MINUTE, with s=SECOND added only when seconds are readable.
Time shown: h=6 m=6 s=19
